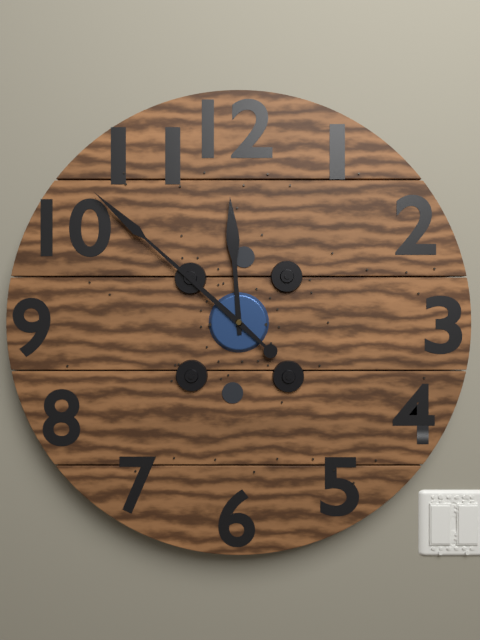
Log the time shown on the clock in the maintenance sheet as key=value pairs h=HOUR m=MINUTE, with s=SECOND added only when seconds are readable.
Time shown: h=11 m=52
